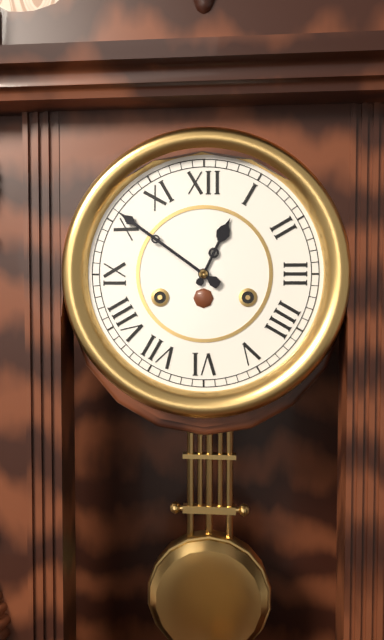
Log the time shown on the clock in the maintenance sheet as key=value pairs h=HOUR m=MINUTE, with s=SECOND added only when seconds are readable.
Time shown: h=12 m=51
